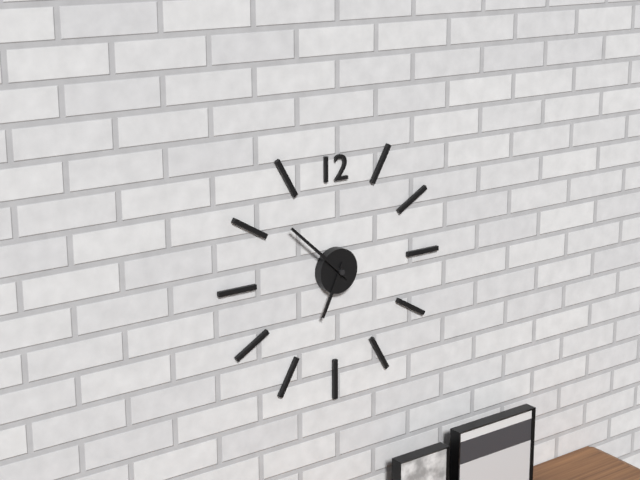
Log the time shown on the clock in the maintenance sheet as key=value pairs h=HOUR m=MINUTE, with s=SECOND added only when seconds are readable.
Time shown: h=6 m=52
